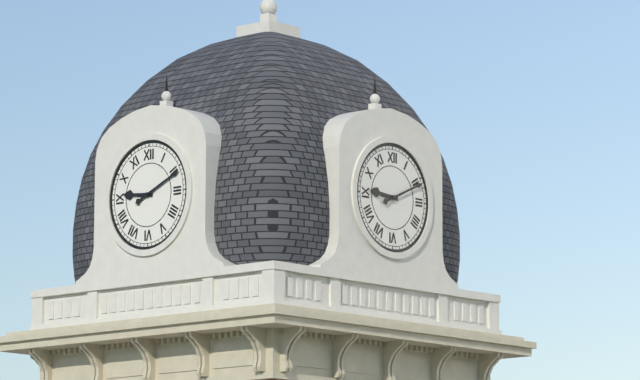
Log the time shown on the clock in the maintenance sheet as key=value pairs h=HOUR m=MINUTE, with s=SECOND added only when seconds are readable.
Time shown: h=9 m=11
